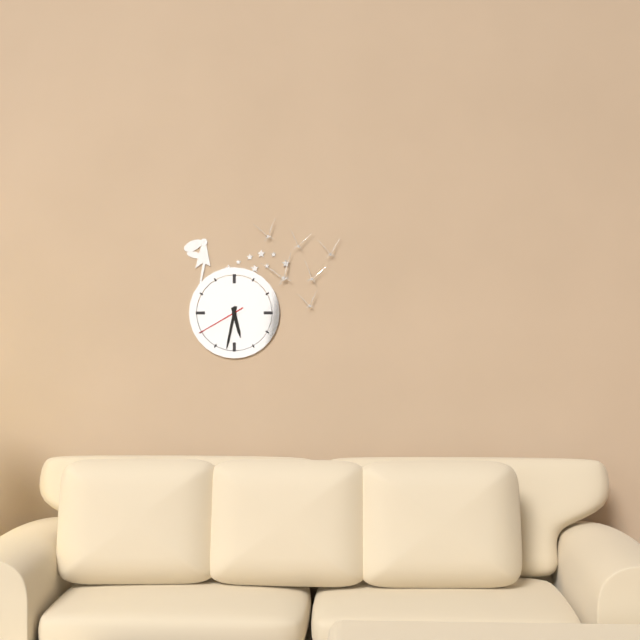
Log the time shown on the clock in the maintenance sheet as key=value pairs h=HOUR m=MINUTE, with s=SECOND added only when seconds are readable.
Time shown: h=5 m=32 s=40
